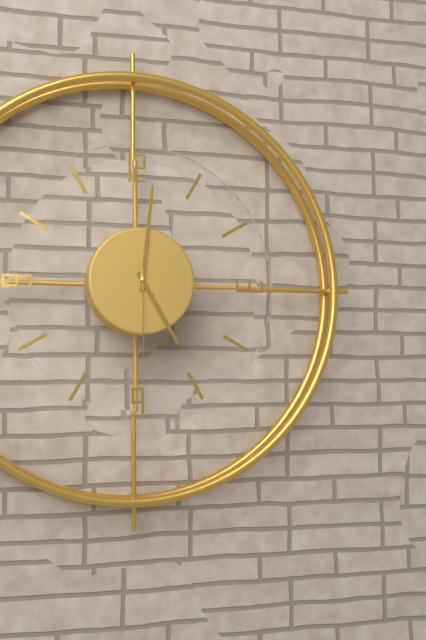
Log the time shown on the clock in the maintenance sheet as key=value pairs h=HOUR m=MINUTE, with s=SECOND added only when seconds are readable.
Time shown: h=5 m=1 s=30
